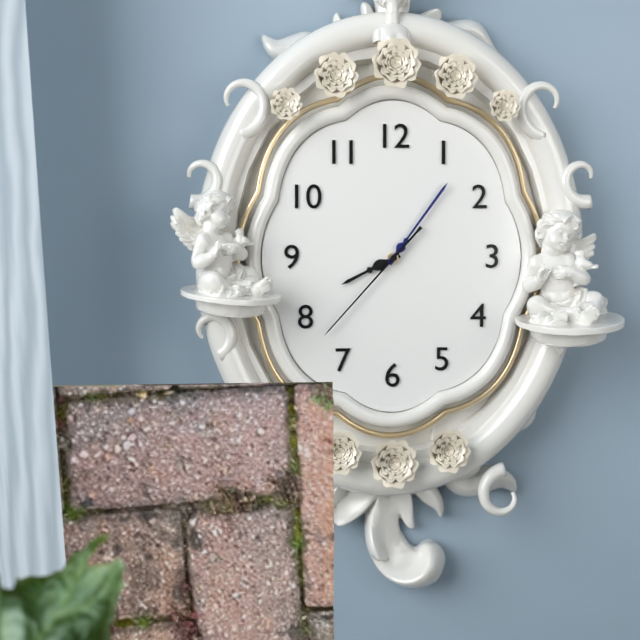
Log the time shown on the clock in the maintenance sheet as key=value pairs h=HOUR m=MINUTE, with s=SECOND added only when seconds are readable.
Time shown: h=8 m=6 s=37
